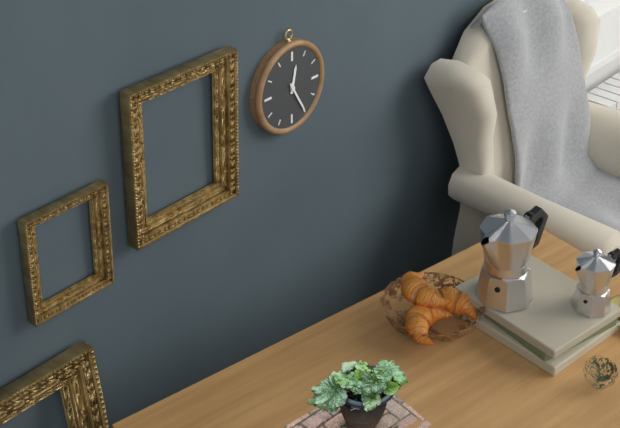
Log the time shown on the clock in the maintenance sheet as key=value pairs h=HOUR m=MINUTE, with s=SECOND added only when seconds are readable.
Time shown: h=12 m=25
